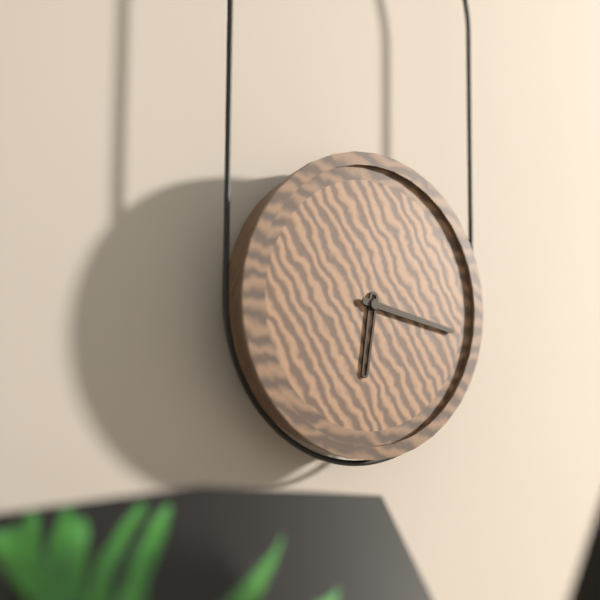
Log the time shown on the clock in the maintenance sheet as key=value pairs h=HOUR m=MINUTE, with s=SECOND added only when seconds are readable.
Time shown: h=6 m=17
